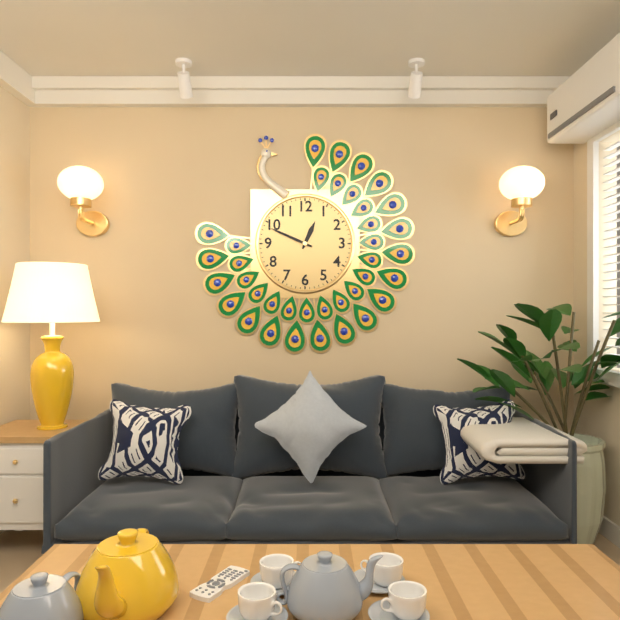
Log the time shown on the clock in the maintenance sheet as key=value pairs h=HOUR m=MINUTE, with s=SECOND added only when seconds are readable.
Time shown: h=12 m=49
